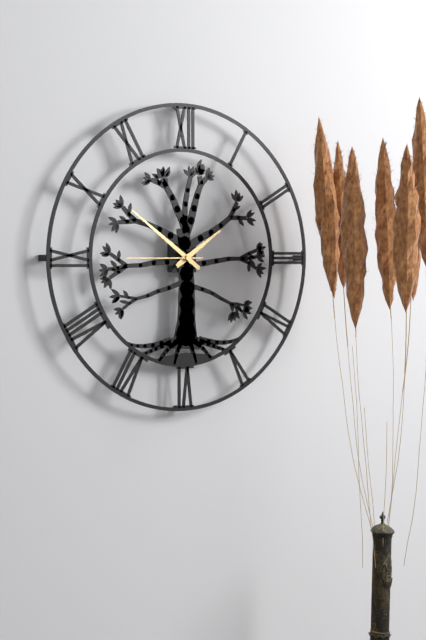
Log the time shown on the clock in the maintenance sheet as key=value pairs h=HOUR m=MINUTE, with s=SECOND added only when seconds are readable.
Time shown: h=1 m=51 s=45
